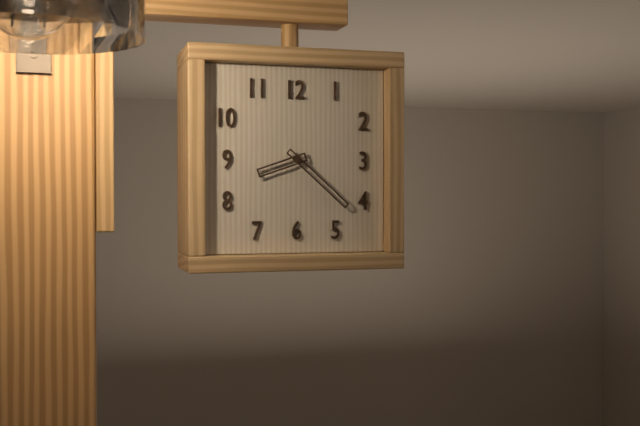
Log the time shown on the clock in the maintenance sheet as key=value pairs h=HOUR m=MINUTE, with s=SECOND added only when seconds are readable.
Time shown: h=8 m=22
